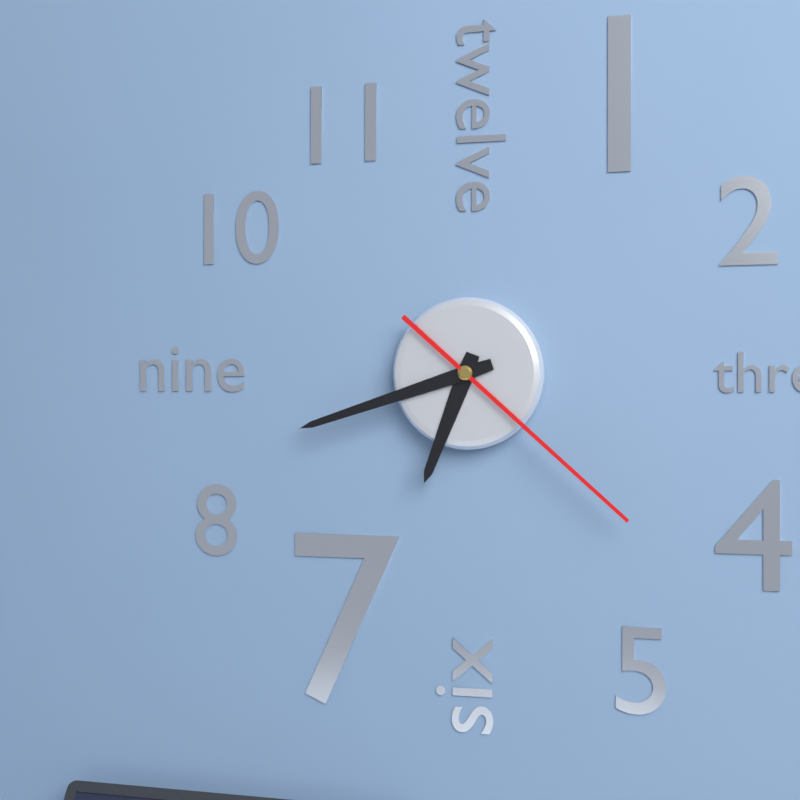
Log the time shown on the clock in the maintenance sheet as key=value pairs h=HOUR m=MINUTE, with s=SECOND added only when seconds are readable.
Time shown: h=6 m=42 s=22
